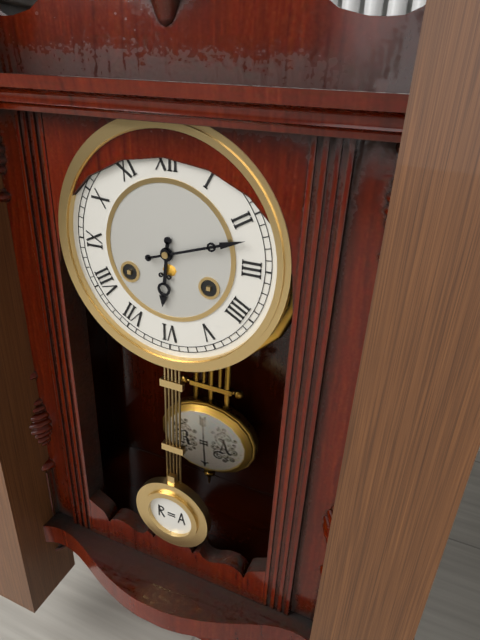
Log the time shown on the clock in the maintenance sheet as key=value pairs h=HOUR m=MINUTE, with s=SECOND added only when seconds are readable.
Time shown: h=6 m=12
